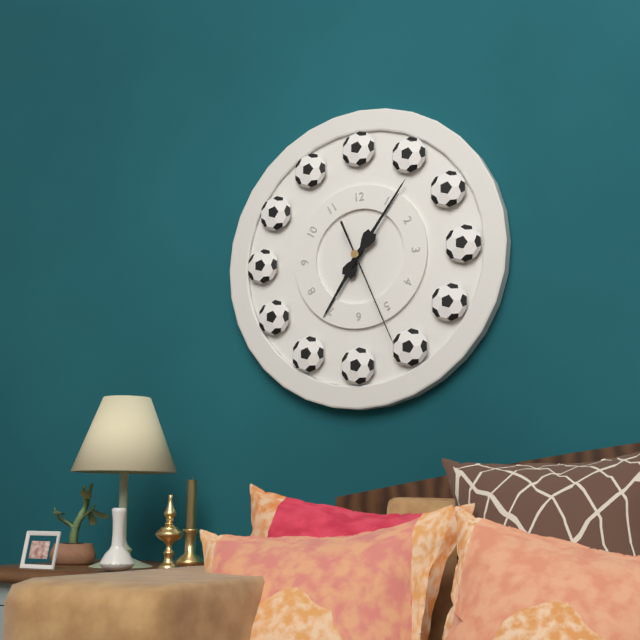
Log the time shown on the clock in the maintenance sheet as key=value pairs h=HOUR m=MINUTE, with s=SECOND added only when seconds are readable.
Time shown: h=7 m=6 s=26
